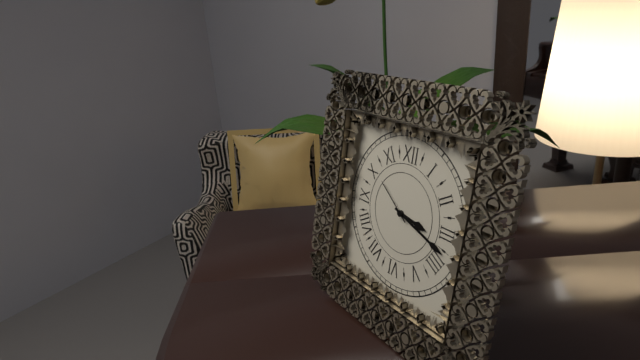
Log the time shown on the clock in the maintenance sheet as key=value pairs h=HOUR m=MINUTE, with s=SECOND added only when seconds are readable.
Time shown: h=3 m=18
